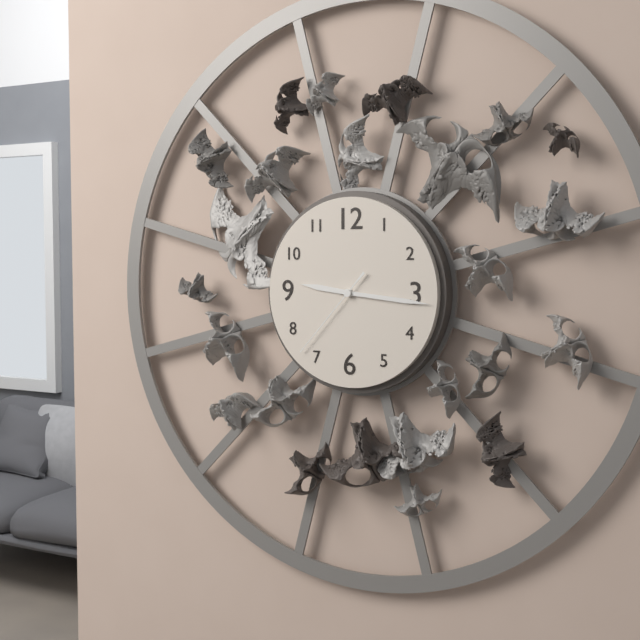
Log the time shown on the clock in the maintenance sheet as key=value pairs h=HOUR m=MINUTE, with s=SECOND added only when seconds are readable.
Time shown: h=9 m=16 s=37
